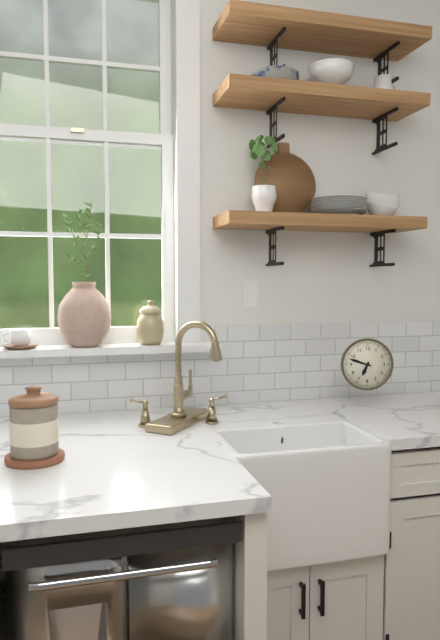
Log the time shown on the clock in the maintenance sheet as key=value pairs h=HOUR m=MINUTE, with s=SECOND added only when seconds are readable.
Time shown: h=6 m=48
